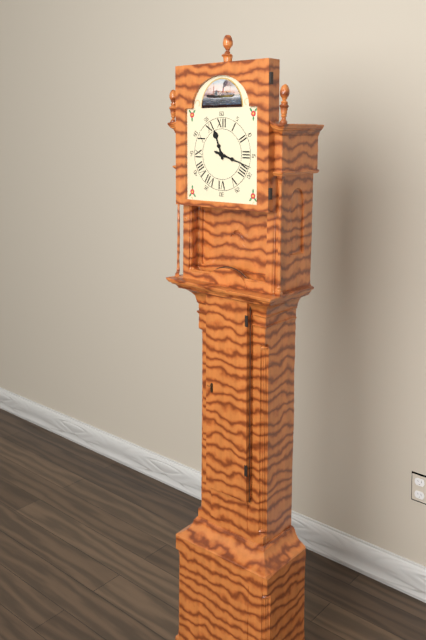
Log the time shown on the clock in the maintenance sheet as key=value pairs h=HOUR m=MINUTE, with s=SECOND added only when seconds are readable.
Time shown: h=11 m=18
